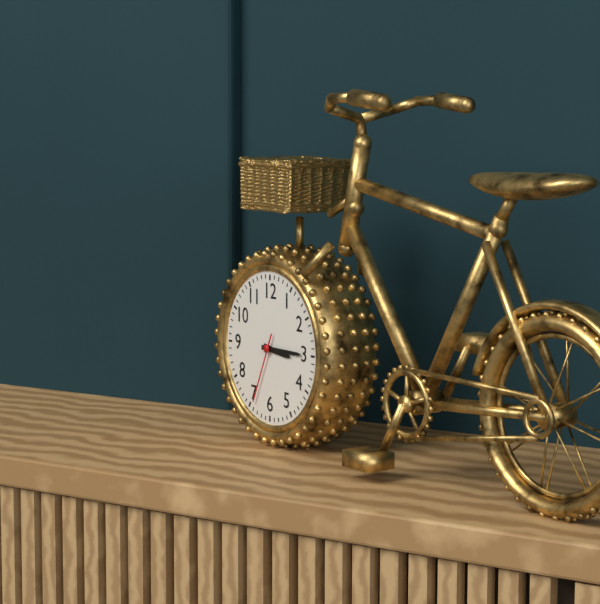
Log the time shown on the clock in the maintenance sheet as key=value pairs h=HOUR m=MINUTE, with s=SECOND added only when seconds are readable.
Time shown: h=3 m=15 s=34
